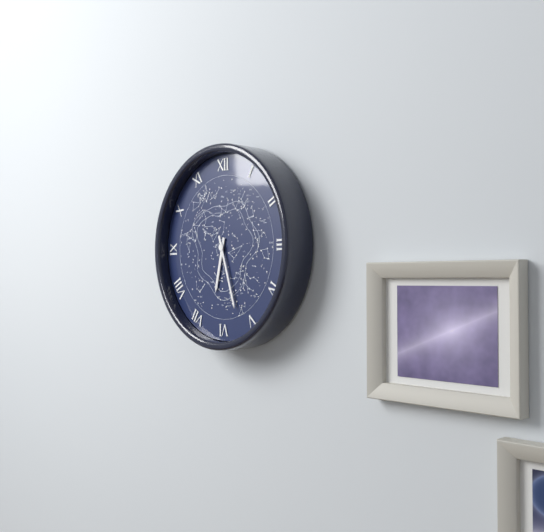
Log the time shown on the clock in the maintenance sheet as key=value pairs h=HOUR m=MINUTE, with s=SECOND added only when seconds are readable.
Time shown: h=6 m=27
